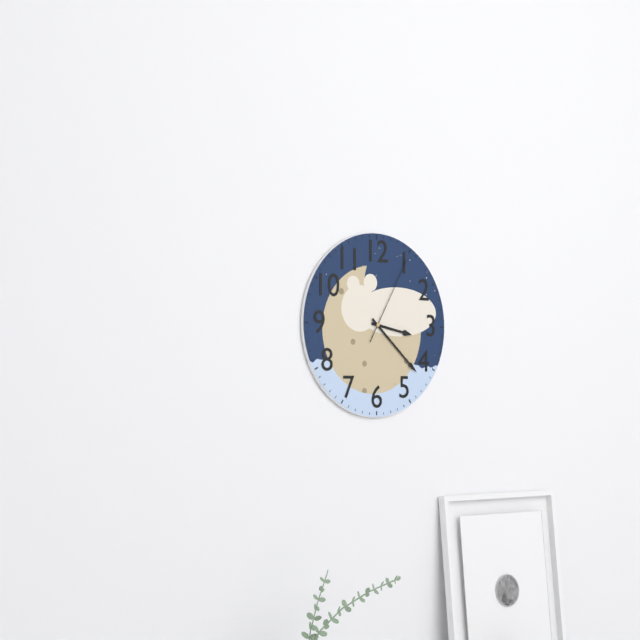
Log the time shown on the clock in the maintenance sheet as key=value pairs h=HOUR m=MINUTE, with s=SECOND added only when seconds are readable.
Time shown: h=3 m=22 s=5
